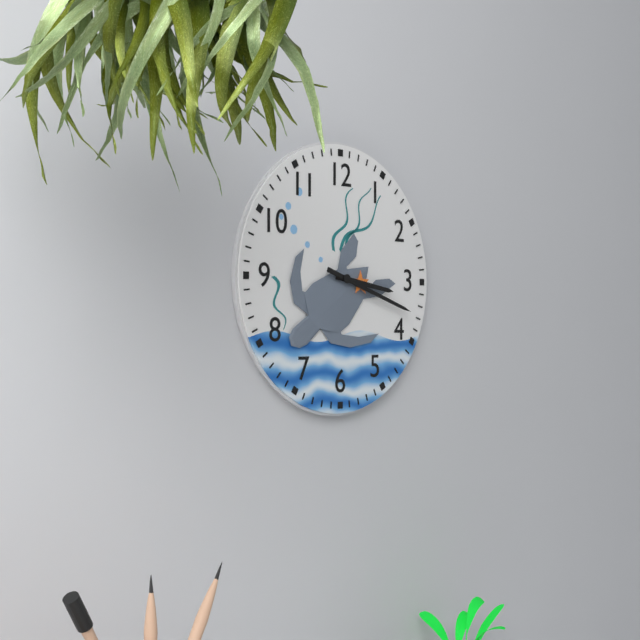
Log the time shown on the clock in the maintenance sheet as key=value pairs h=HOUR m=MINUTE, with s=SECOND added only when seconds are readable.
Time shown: h=3 m=18
